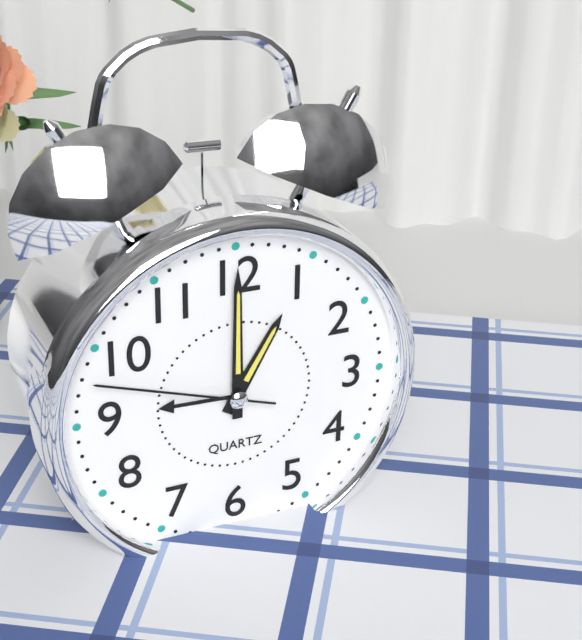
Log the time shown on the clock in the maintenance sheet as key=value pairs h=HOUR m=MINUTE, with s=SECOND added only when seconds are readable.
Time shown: h=1 m=0 s=48
